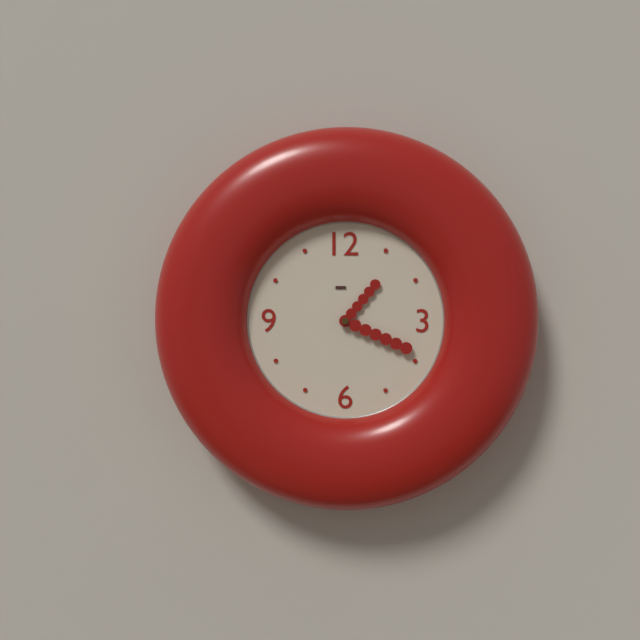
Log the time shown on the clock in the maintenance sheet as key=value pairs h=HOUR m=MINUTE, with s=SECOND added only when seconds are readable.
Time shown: h=1 m=19
